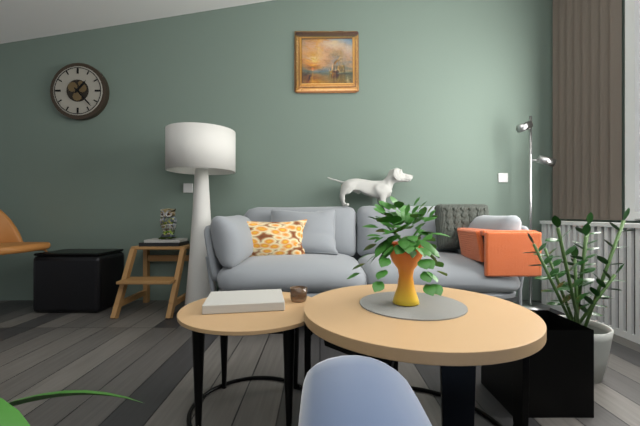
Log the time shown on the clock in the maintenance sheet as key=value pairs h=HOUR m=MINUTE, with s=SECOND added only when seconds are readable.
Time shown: h=1 m=23
